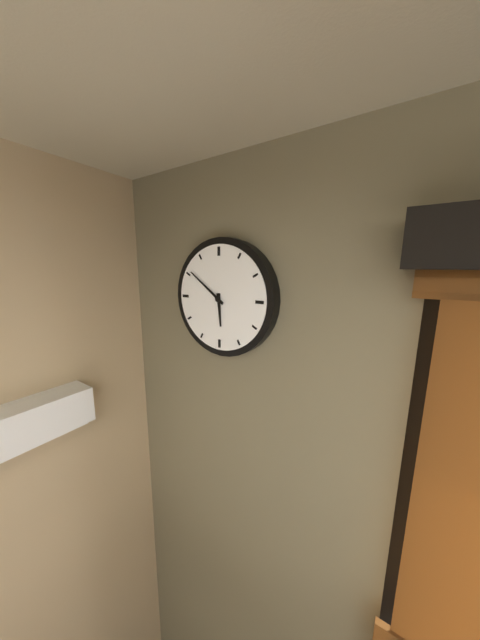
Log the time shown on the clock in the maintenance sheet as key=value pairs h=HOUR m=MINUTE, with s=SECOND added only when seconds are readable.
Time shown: h=5 m=51
